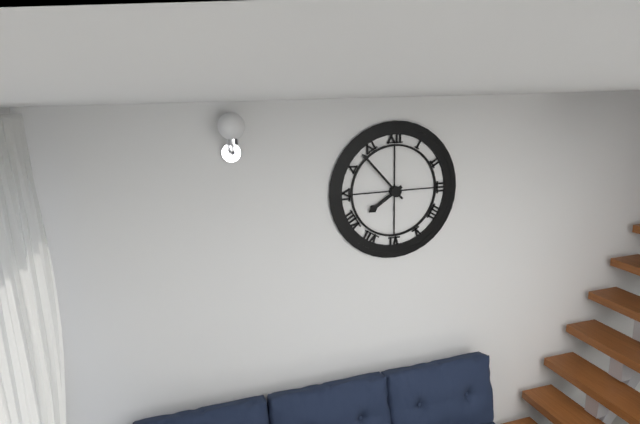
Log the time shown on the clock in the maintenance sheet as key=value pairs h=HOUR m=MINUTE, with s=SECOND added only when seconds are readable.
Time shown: h=7 m=53
